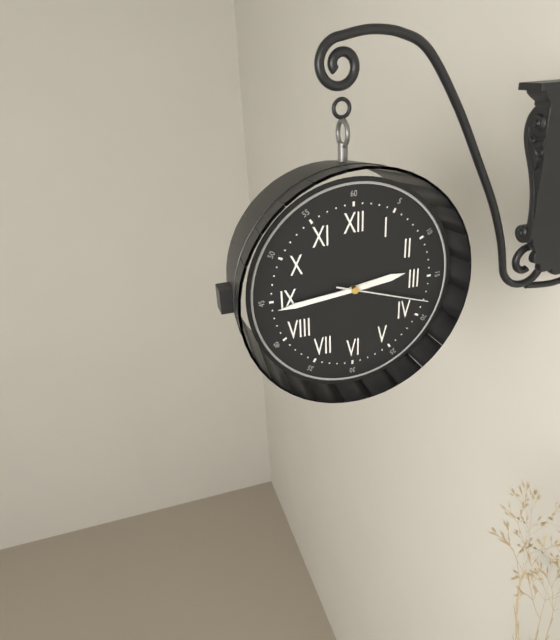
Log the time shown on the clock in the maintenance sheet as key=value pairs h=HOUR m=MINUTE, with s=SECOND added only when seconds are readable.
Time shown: h=2 m=44 s=18
